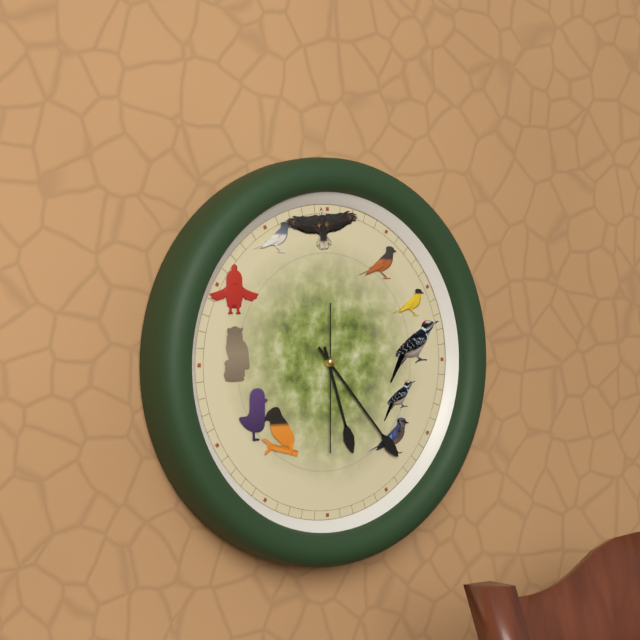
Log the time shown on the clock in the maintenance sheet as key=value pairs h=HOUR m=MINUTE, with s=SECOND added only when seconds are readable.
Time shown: h=5 m=23 s=30
